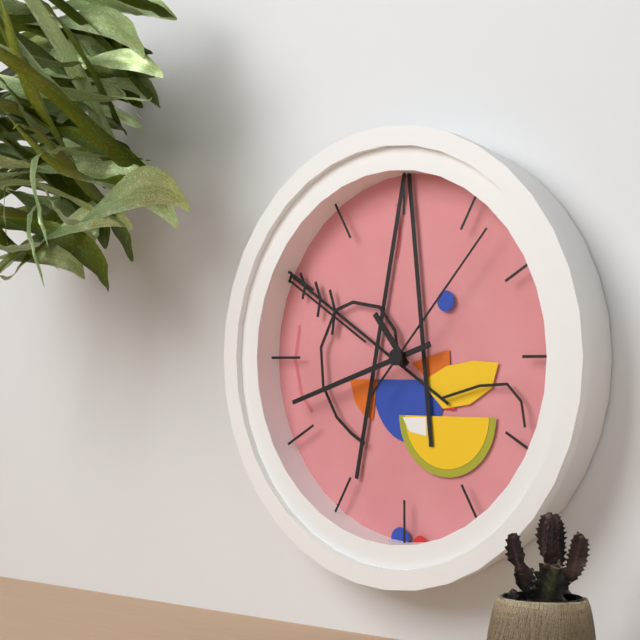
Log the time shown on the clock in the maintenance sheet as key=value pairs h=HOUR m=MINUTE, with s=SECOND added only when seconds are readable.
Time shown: h=10 m=42 s=7
